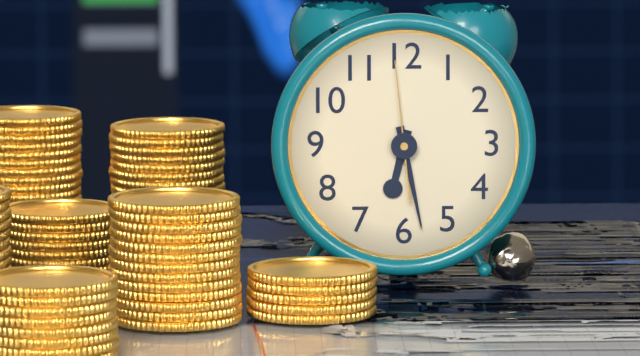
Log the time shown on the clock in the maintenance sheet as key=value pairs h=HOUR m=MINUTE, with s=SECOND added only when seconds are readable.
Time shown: h=6 m=28 s=59
